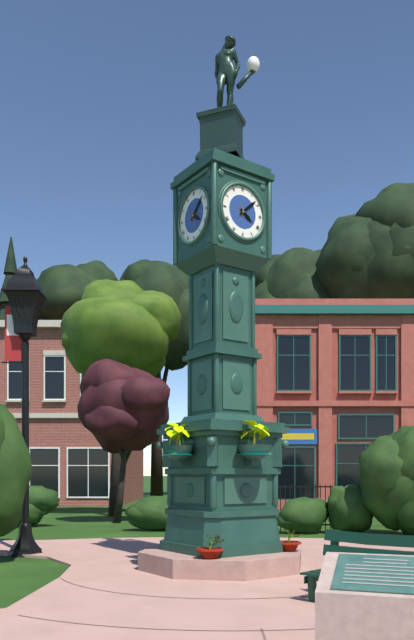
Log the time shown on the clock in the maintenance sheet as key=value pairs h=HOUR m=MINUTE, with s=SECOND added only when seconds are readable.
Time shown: h=4 m=8
